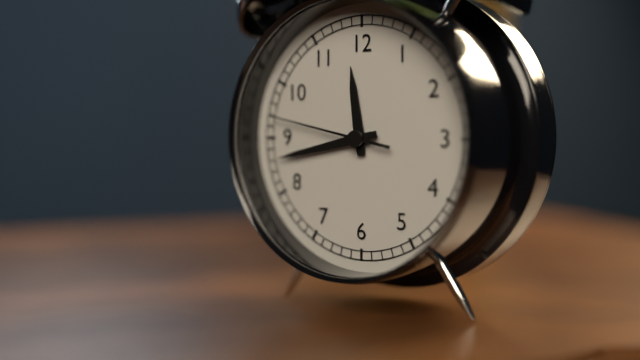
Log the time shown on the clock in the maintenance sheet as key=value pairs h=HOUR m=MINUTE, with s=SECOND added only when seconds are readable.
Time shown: h=11 m=43 s=47
